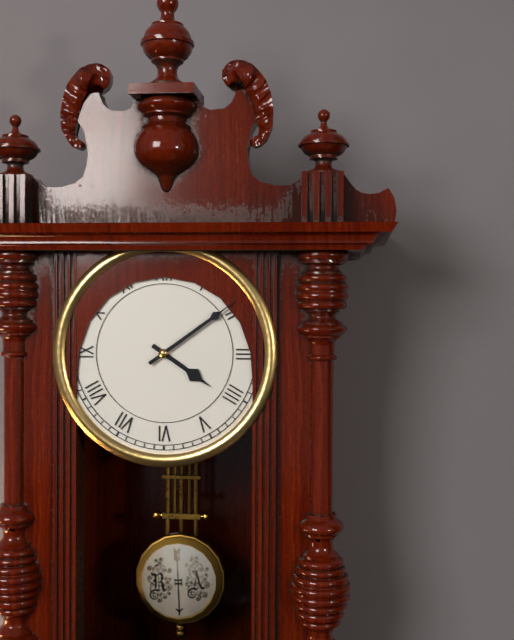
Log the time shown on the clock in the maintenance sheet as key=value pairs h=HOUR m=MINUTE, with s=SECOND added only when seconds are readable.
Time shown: h=4 m=9
